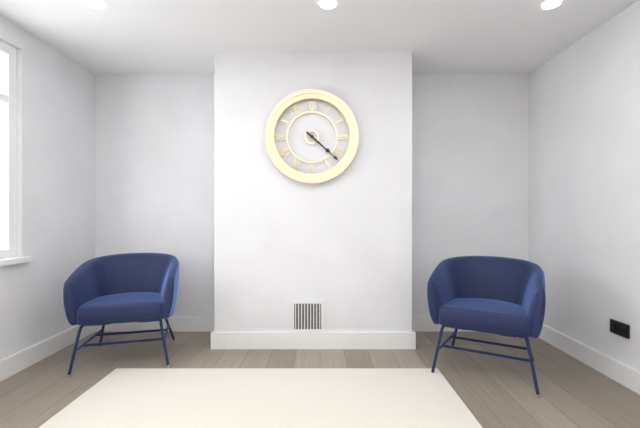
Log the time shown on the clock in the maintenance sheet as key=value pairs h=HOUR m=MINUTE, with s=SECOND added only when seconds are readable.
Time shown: h=4 m=22
